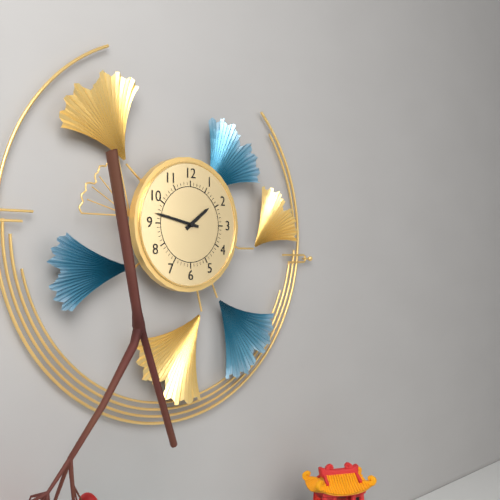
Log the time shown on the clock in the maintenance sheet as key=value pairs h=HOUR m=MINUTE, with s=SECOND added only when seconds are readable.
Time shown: h=1 m=47
